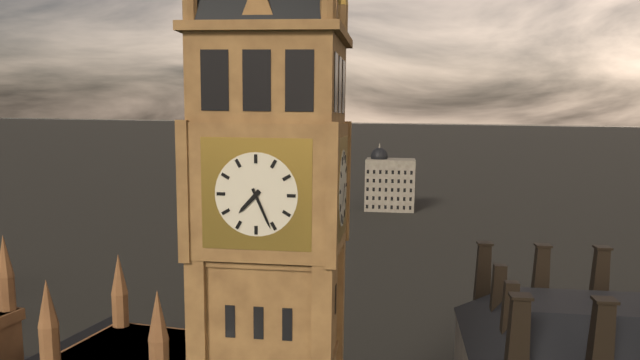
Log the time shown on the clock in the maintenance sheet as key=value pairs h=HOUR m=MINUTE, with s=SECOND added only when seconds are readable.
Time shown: h=7 m=26
